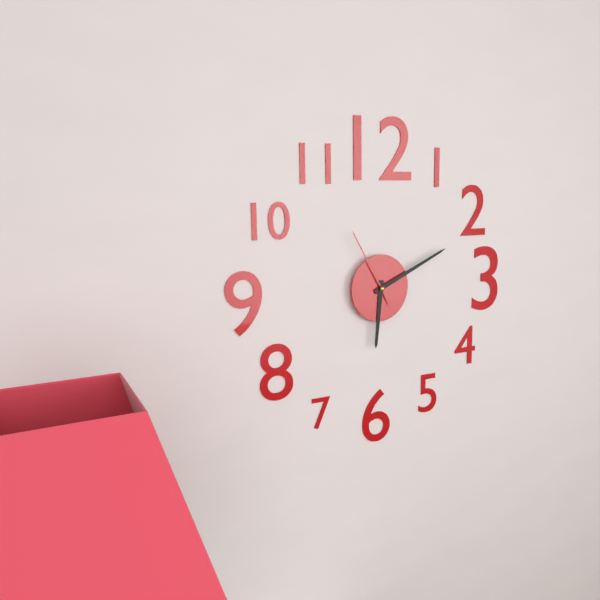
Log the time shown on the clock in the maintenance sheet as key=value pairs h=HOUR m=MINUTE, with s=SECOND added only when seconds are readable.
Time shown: h=6 m=11 s=55
